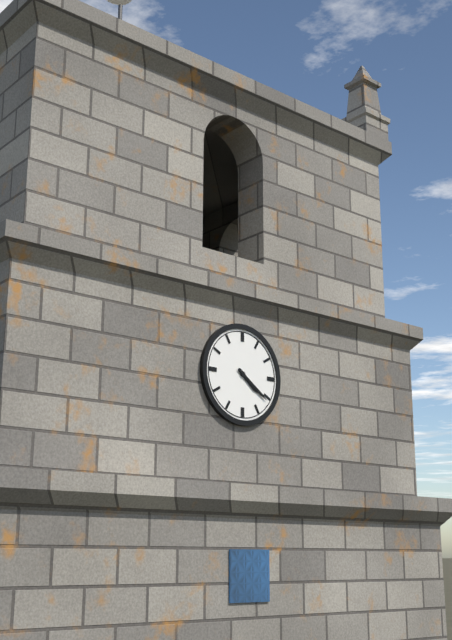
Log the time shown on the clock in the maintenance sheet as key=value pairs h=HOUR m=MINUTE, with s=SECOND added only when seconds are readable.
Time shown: h=4 m=21
